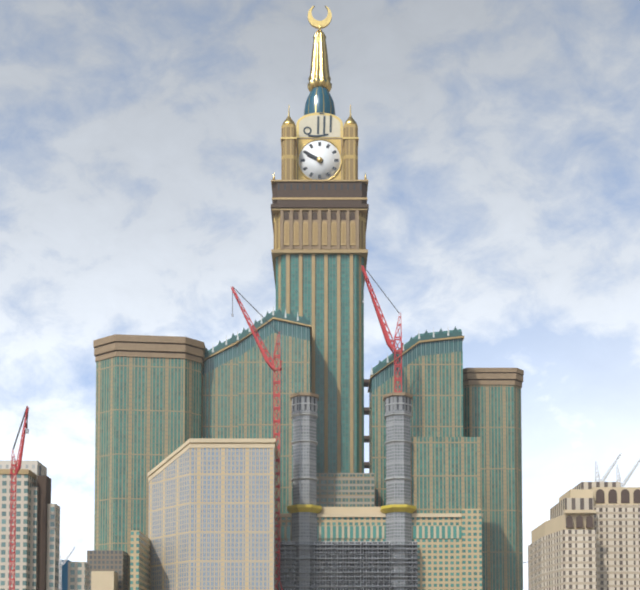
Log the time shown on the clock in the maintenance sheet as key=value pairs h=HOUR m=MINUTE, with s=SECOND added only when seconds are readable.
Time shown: h=9 m=50
